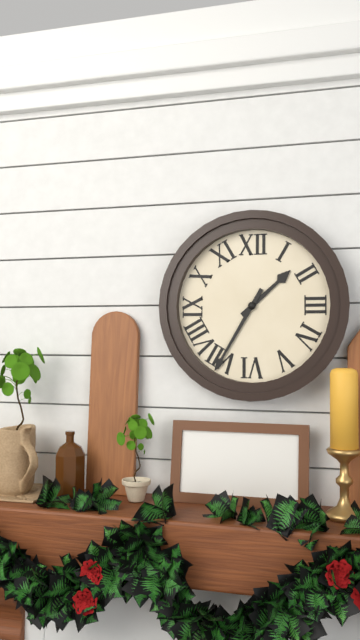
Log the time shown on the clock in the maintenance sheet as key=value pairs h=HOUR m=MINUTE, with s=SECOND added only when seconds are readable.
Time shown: h=1 m=35
